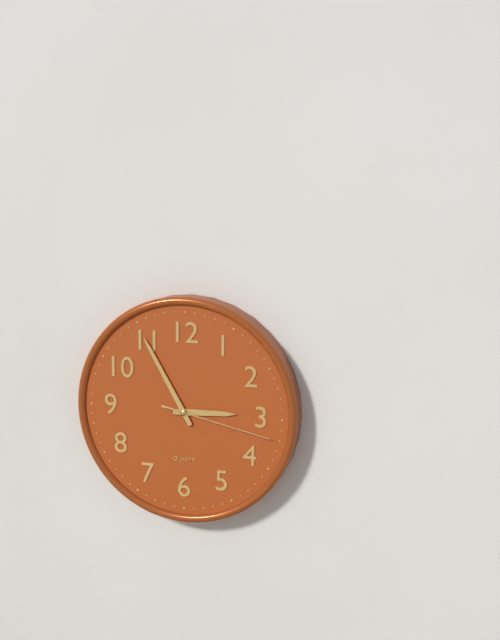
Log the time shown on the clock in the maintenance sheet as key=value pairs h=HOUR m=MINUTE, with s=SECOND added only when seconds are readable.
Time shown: h=2 m=55 s=17
